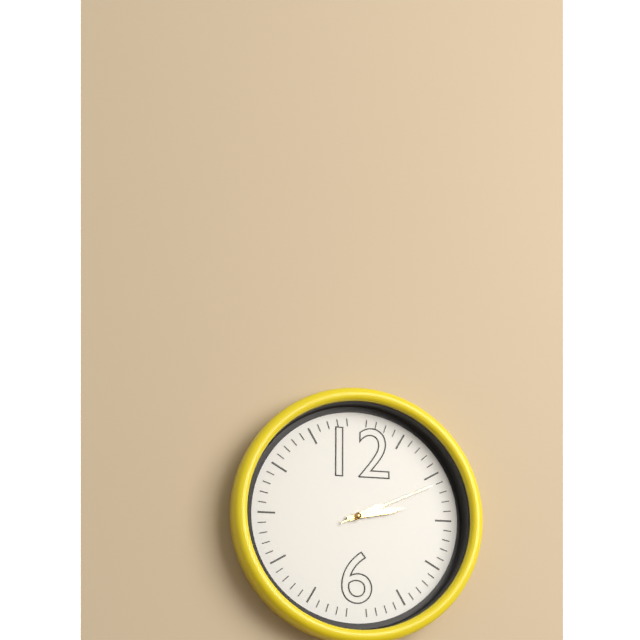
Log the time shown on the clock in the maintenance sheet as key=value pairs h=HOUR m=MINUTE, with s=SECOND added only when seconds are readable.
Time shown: h=2 m=13 s=11
